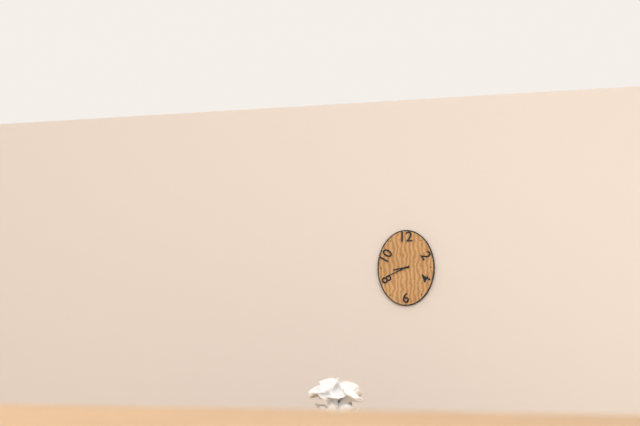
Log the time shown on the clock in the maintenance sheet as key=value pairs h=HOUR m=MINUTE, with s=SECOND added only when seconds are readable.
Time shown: h=8 m=41
